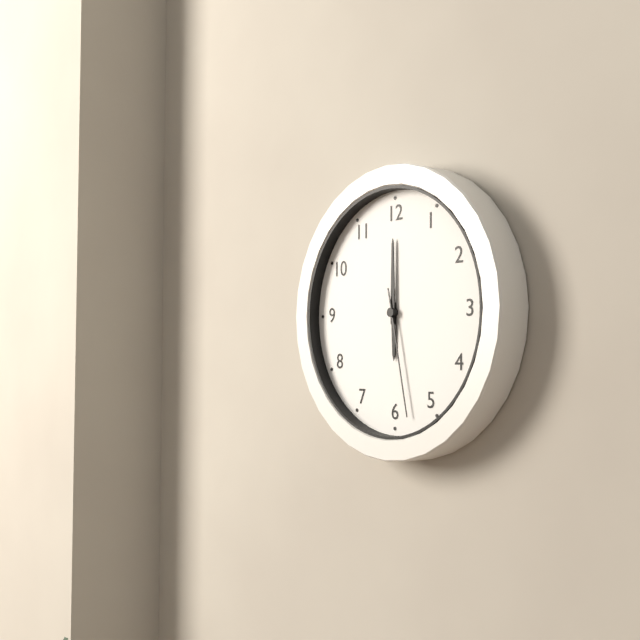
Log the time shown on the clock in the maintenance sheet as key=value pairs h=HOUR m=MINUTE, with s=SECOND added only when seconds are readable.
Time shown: h=6 m=0 s=28
